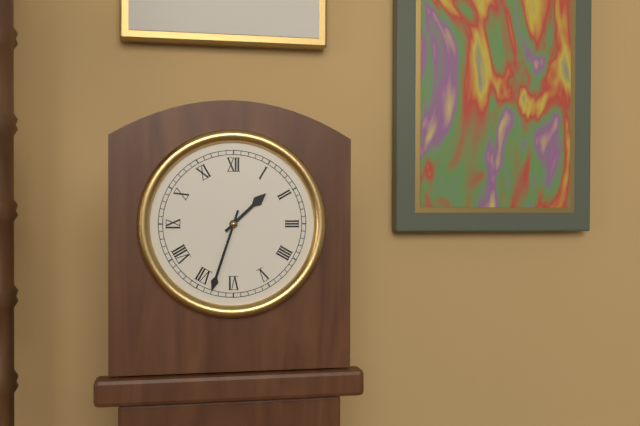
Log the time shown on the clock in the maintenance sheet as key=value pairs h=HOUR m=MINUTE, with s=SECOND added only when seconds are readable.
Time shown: h=1 m=33
